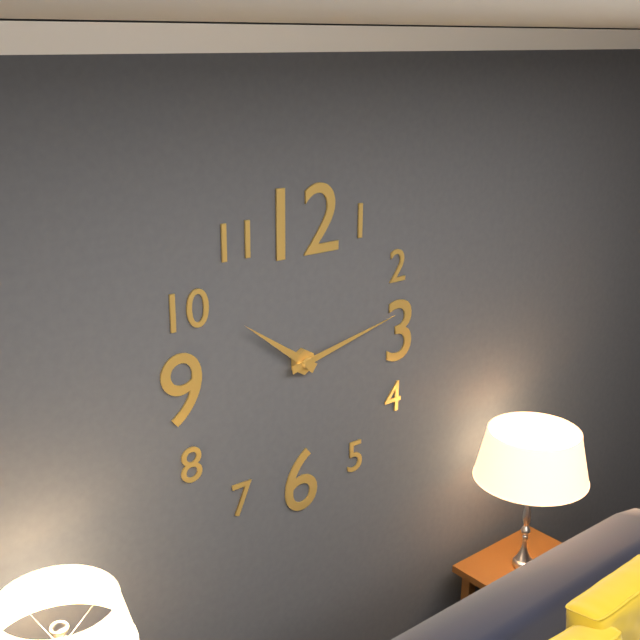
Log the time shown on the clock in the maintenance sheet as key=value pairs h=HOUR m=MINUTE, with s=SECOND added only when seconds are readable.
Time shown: h=10 m=13
